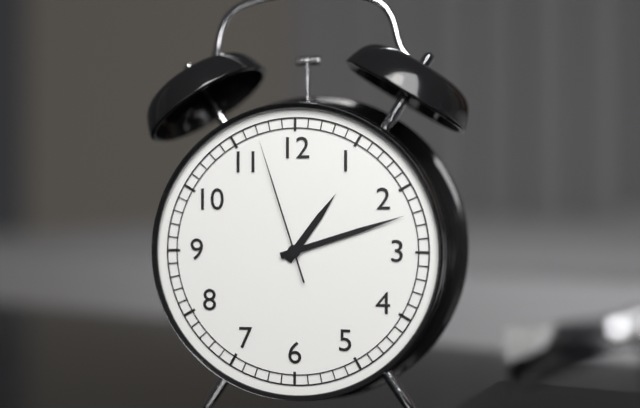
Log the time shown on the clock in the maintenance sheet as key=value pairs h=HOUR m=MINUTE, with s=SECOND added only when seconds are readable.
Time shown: h=1 m=12 s=57
